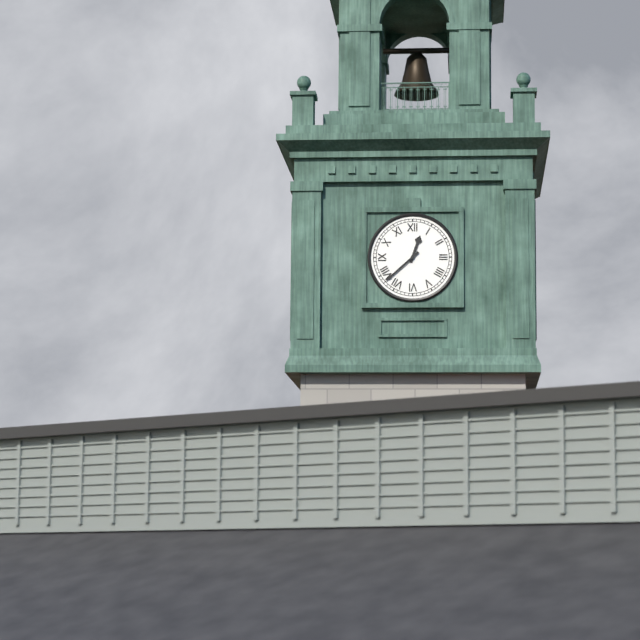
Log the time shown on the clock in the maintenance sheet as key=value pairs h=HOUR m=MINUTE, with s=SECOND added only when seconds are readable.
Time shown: h=12 m=38
